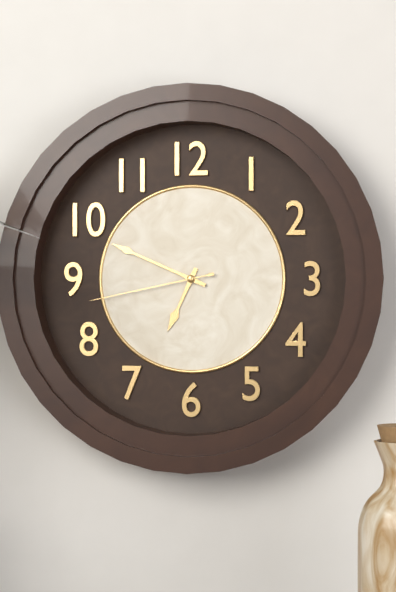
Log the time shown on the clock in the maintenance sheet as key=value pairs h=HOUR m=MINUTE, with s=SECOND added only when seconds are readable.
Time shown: h=6 m=49 s=43
